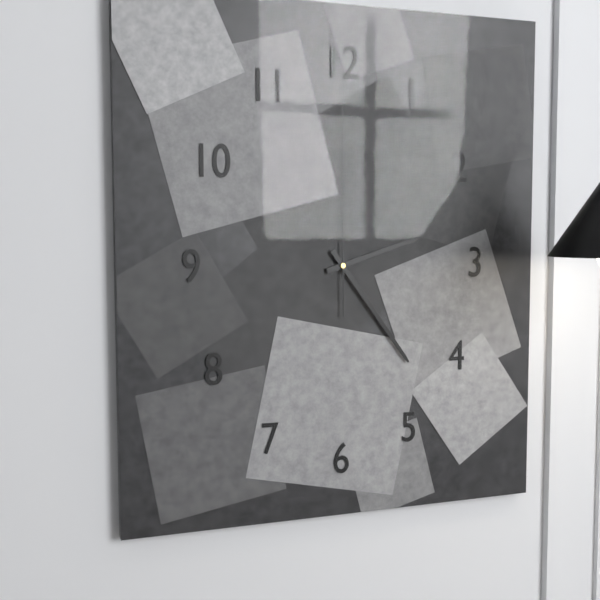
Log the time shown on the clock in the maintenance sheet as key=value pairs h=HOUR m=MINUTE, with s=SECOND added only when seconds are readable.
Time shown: h=2 m=24 s=0
